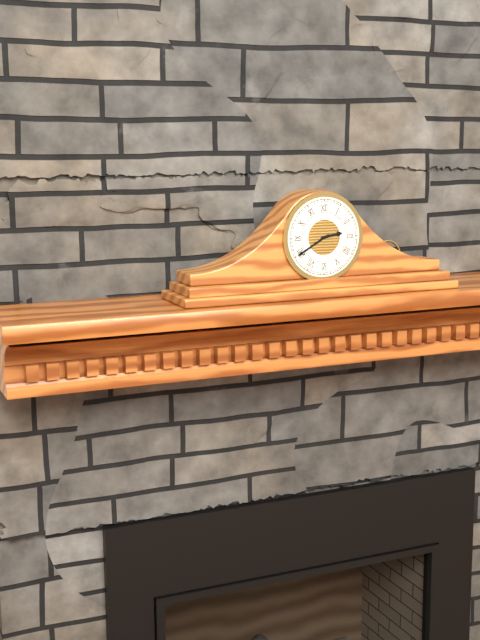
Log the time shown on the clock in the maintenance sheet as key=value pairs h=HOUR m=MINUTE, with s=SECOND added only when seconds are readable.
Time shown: h=2 m=40
